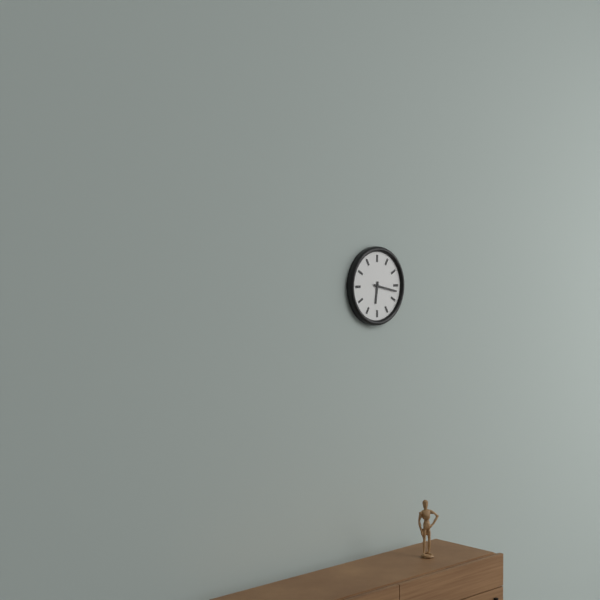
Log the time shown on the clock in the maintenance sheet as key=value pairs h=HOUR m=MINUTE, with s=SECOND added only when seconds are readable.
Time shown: h=6 m=17
